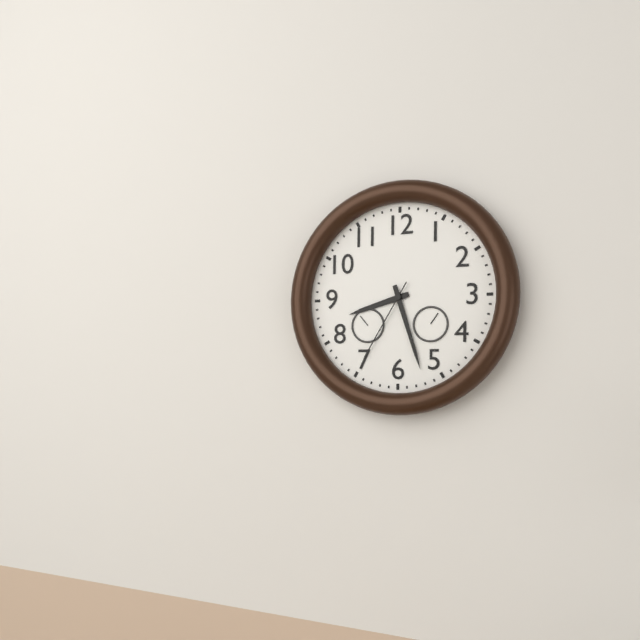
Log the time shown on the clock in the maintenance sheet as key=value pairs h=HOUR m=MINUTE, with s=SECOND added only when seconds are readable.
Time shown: h=8 m=27 s=35
